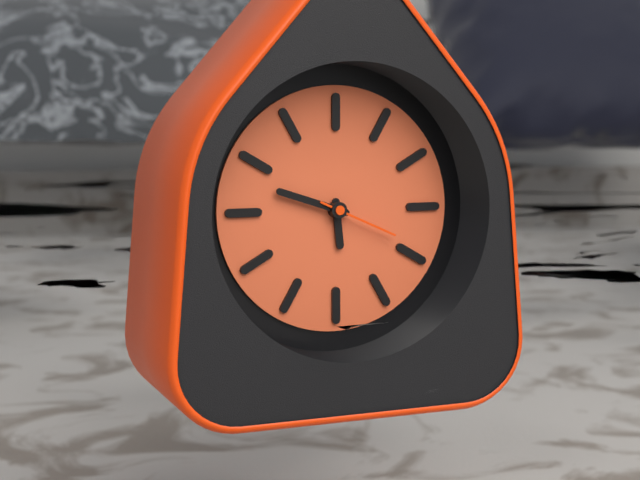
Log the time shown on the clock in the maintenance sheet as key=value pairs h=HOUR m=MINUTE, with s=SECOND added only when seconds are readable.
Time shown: h=5 m=48 s=19
